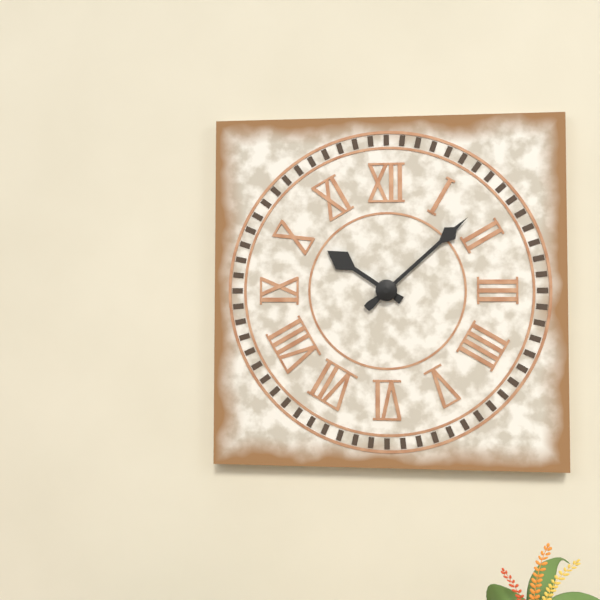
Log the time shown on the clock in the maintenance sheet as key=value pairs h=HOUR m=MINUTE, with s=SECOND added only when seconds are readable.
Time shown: h=10 m=8
